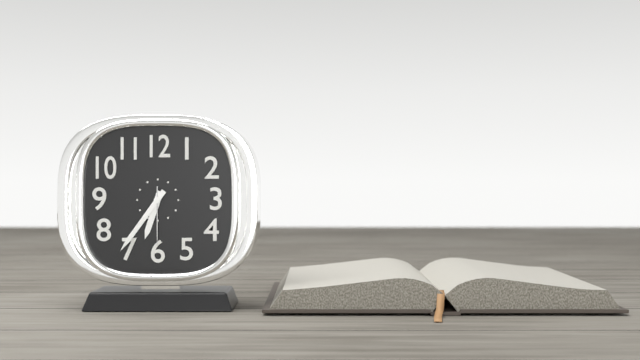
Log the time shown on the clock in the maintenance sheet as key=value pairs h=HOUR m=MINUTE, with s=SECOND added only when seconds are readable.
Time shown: h=6 m=36 s=30
